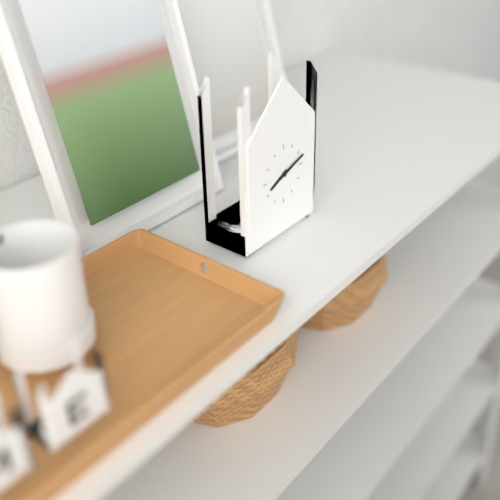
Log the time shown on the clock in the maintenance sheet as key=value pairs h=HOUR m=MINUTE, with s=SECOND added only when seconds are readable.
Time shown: h=8 m=12
